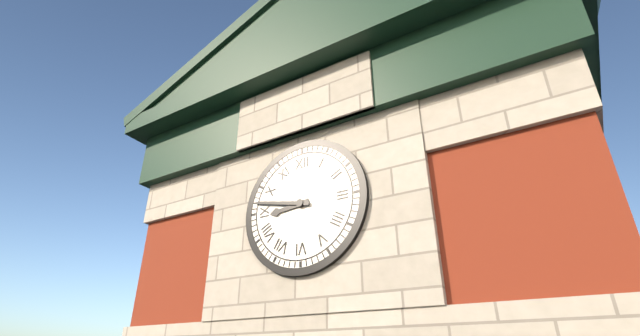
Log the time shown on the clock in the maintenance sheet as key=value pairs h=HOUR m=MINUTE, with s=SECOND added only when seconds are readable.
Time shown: h=8 m=47
